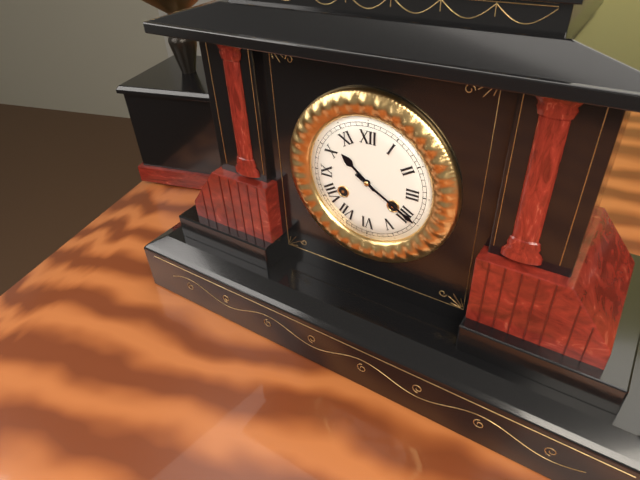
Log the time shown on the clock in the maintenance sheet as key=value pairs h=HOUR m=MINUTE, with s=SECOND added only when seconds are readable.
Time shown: h=10 m=20
